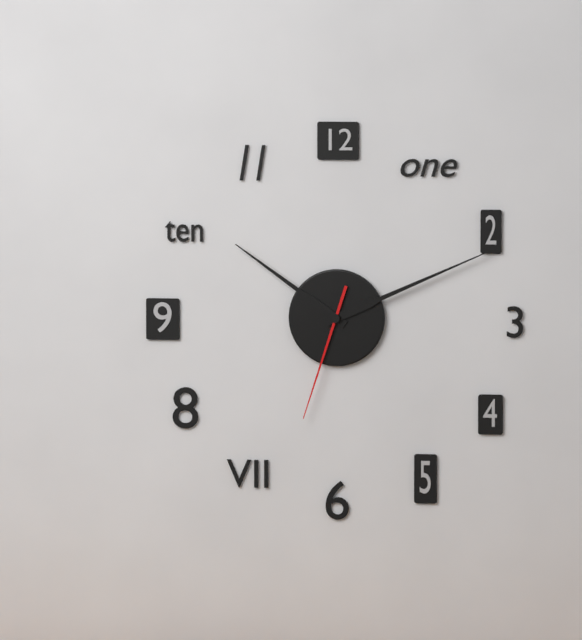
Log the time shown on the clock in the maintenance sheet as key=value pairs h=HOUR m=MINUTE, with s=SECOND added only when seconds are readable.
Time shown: h=10 m=11 s=33
